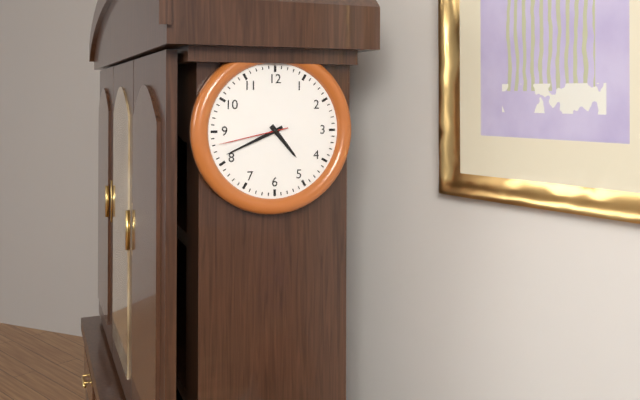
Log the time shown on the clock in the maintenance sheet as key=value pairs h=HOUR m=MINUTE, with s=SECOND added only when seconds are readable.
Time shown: h=4 m=41 s=43
